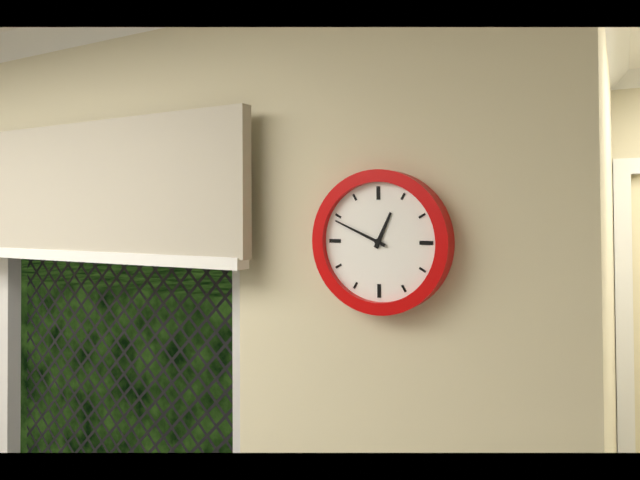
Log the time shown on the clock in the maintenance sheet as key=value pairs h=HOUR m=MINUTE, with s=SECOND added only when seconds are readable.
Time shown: h=12 m=49
